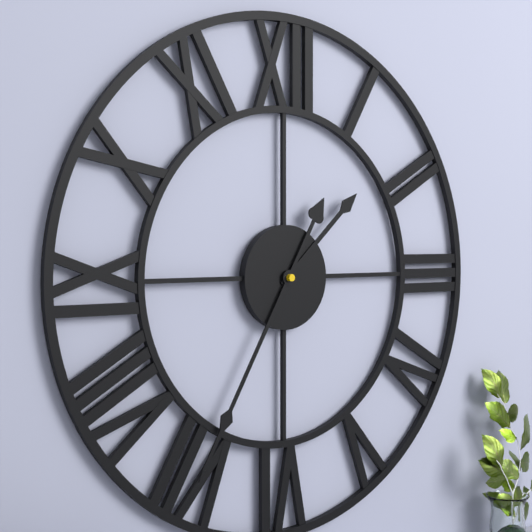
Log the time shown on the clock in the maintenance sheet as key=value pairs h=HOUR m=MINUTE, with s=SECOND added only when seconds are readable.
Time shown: h=1 m=35
